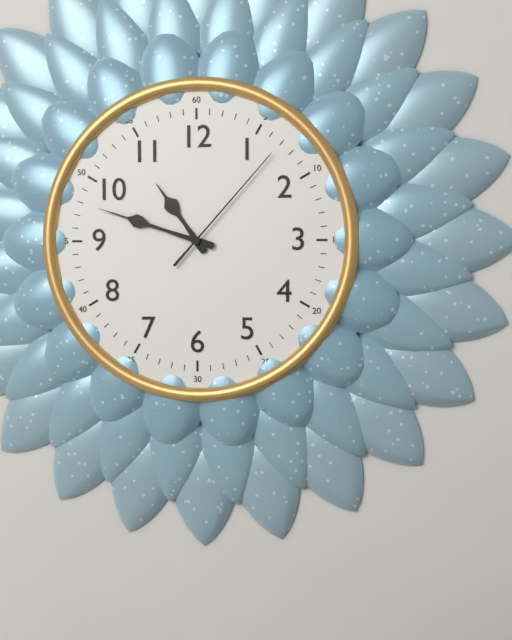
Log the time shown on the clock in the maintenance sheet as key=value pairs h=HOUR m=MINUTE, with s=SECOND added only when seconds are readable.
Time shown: h=10 m=48 s=7
